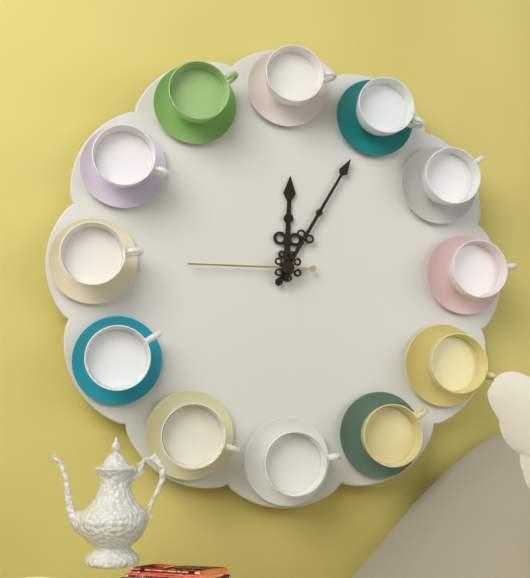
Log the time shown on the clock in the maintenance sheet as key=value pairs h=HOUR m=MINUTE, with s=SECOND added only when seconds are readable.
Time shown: h=12 m=5 s=45
